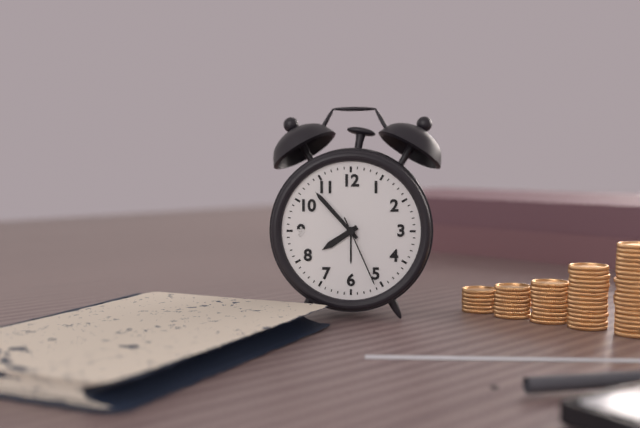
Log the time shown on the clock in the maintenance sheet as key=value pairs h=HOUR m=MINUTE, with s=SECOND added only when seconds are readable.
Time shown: h=7 m=53 s=26
